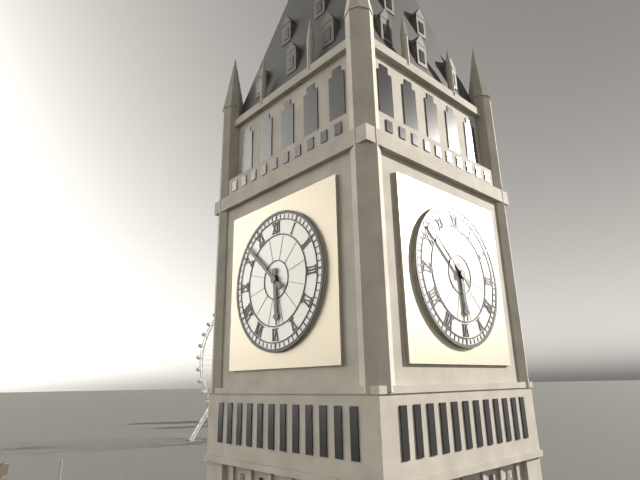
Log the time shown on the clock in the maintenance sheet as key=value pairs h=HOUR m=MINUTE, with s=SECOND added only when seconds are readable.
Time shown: h=5 m=52
